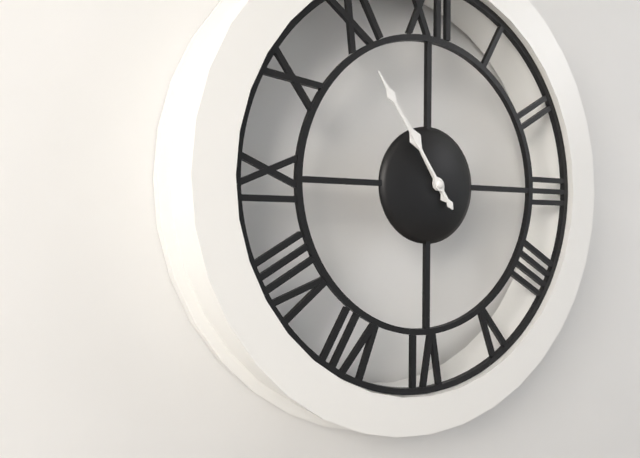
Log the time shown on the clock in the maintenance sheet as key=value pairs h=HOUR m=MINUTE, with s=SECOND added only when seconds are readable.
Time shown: h=10 m=54
